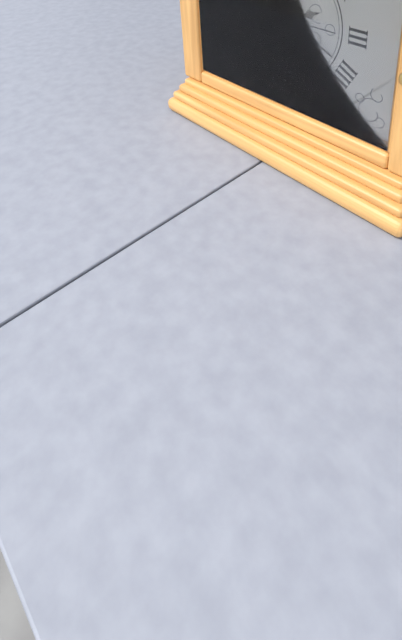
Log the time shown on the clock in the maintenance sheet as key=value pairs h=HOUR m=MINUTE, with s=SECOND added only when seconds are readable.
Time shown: h=2 m=19 s=15
